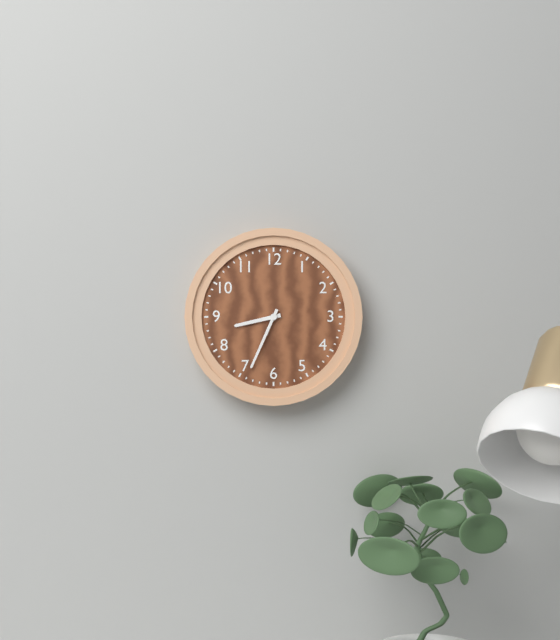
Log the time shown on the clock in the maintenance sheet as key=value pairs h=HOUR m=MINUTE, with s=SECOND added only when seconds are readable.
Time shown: h=8 m=34
